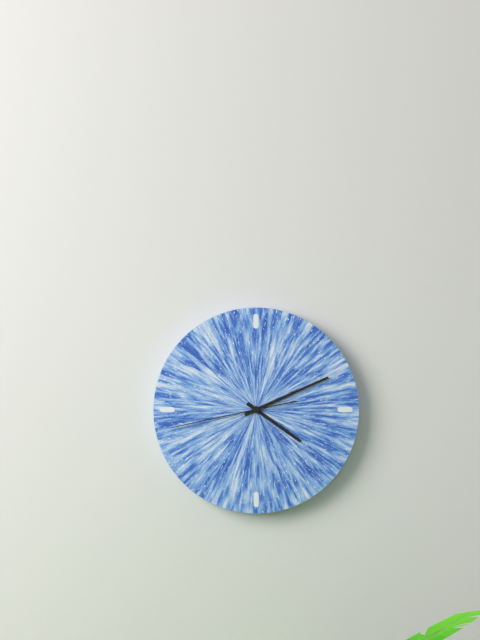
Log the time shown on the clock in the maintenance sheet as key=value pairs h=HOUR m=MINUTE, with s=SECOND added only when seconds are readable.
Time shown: h=4 m=11 s=43
